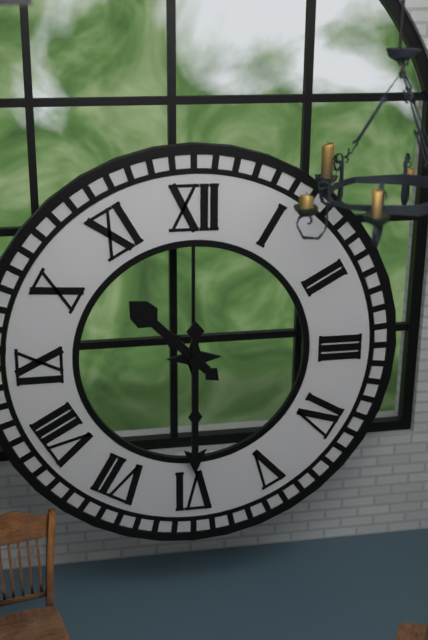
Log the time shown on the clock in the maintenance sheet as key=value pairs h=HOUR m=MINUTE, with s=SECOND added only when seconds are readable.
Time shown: h=10 m=30
